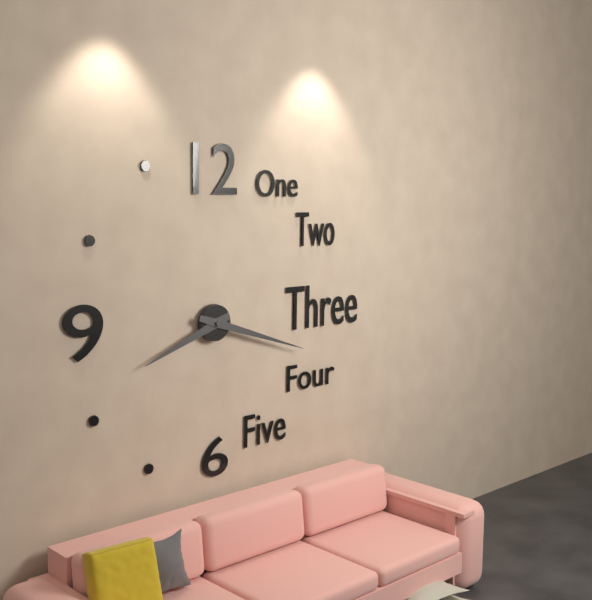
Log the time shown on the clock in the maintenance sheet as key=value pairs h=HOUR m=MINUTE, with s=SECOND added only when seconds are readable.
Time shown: h=8 m=18
